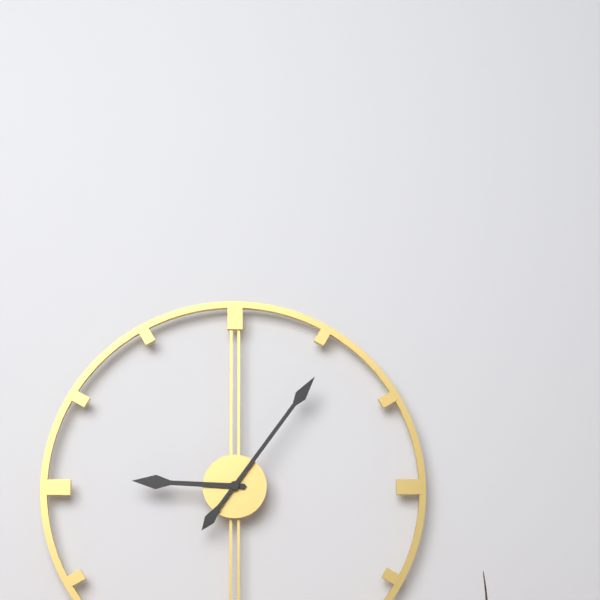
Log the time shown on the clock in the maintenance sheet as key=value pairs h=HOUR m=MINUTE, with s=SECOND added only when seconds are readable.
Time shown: h=9 m=6
